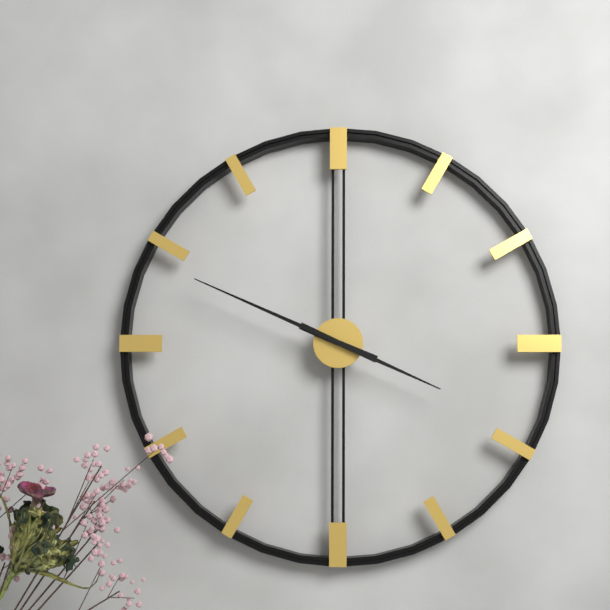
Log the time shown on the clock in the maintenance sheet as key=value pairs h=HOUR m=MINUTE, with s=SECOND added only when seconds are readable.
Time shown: h=3 m=49
